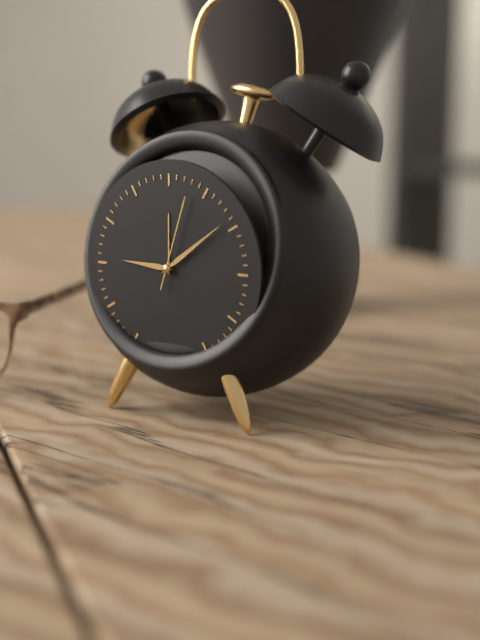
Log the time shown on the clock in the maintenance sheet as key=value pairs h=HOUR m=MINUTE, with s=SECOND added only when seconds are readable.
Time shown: h=9 m=9 s=3
